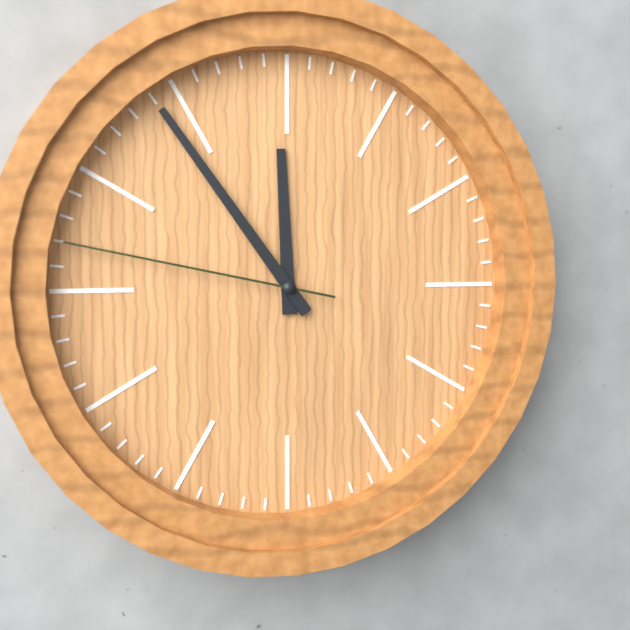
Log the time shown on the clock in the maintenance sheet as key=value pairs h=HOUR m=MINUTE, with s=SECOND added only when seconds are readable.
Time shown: h=11 m=54 s=47
